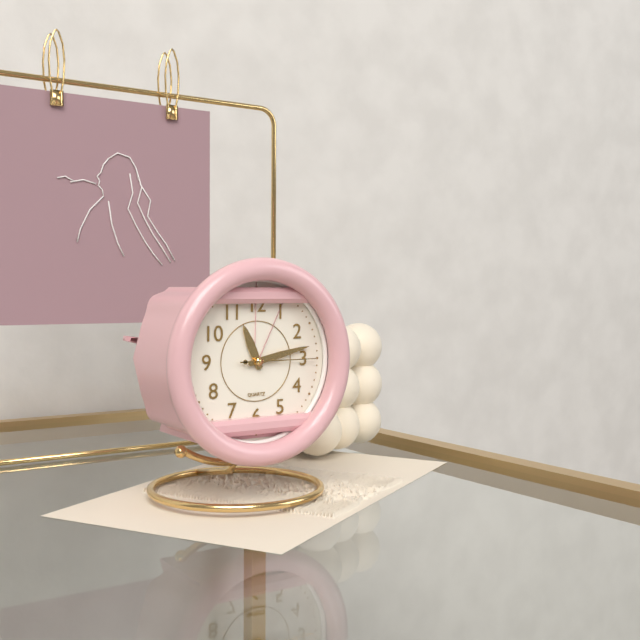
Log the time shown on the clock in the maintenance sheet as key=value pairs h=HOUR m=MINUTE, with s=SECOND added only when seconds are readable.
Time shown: h=11 m=13 s=15
